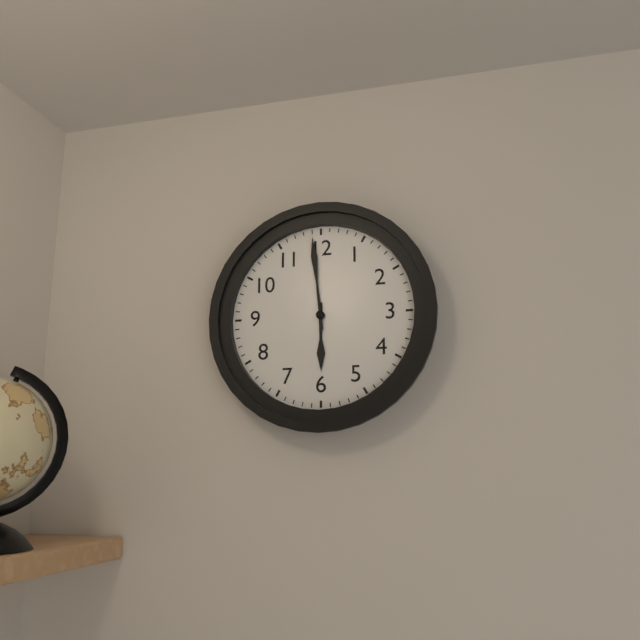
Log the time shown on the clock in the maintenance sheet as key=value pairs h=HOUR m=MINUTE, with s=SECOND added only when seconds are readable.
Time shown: h=5 m=59
